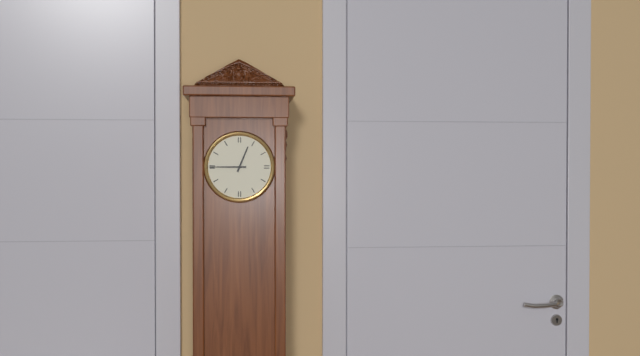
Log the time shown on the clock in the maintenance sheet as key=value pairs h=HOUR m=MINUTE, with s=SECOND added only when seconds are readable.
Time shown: h=12 m=45
